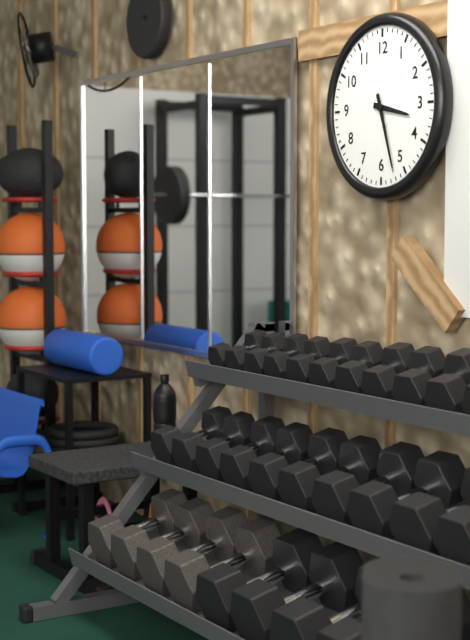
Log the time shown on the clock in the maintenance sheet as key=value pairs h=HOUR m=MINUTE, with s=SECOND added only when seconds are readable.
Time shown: h=3 m=27
